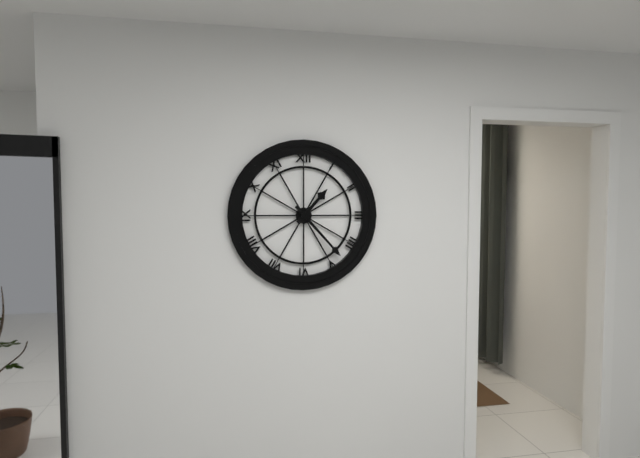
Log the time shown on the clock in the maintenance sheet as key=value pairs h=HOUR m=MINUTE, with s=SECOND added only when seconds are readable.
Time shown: h=1 m=23
